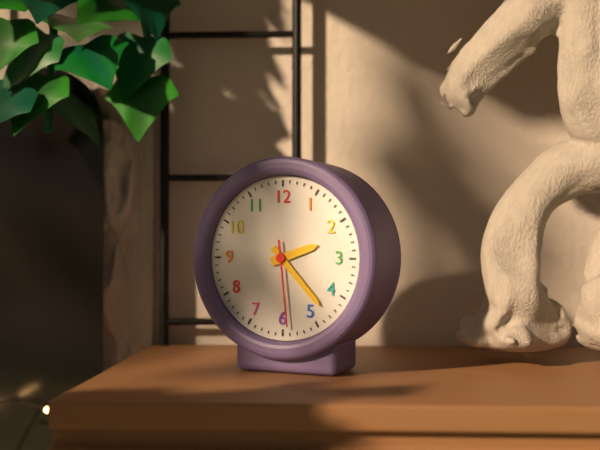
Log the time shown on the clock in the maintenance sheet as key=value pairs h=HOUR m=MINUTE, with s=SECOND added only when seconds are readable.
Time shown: h=2 m=23 s=29
